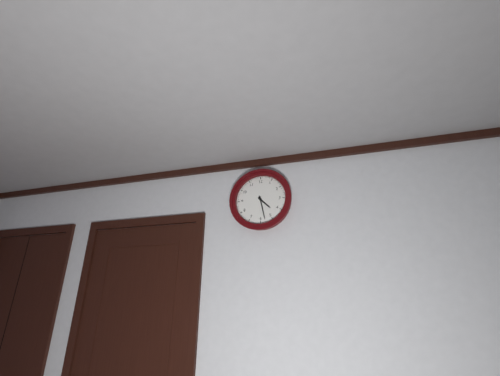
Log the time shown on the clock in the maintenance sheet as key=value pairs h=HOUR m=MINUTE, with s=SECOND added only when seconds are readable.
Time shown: h=4 m=28
